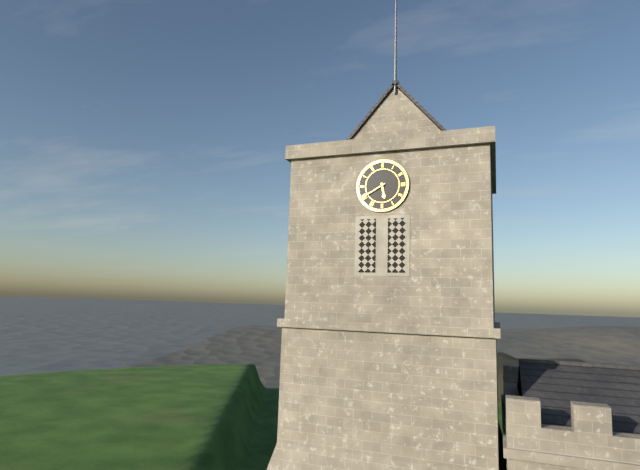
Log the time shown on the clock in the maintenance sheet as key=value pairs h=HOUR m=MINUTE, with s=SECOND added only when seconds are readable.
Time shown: h=5 m=40
